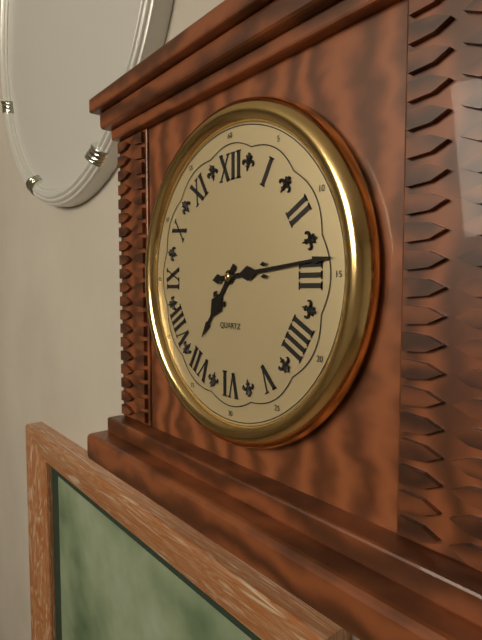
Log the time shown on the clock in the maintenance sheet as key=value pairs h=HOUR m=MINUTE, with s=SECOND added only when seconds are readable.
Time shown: h=7 m=14
